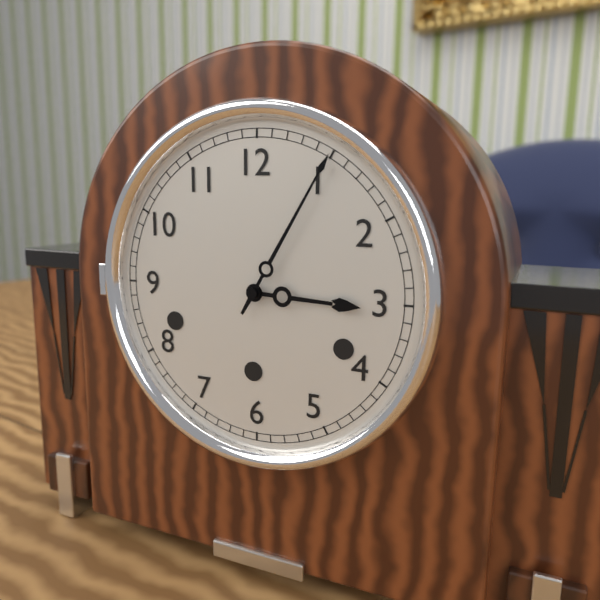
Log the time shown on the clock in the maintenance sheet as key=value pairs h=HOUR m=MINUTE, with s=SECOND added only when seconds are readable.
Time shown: h=3 m=5
